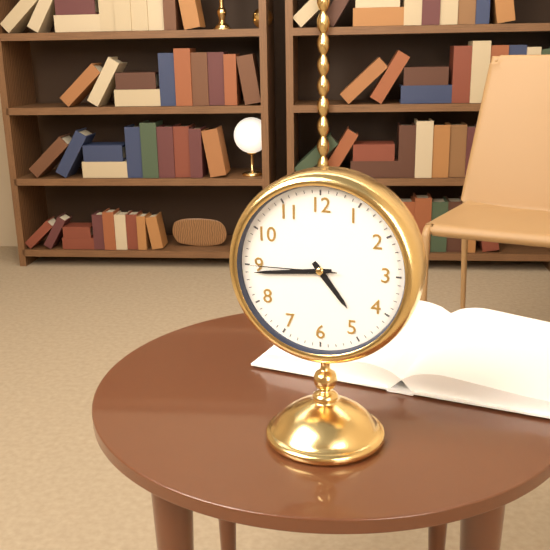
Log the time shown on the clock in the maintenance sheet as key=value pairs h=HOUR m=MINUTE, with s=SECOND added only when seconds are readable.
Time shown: h=4 m=44 s=45
